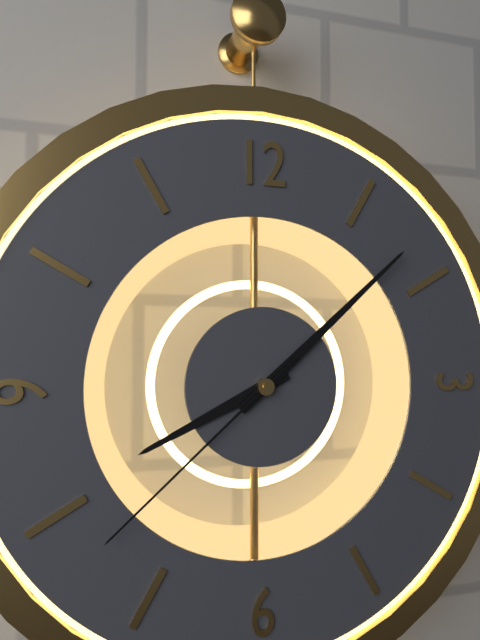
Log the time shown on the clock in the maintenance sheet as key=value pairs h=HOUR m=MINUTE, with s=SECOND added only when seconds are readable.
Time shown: h=8 m=8 s=38
